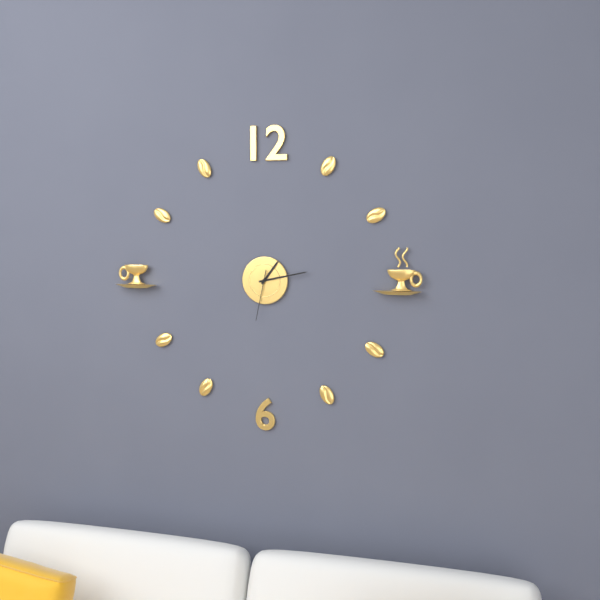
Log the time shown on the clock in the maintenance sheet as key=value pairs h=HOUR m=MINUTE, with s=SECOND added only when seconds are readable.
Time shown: h=1 m=13 s=32
